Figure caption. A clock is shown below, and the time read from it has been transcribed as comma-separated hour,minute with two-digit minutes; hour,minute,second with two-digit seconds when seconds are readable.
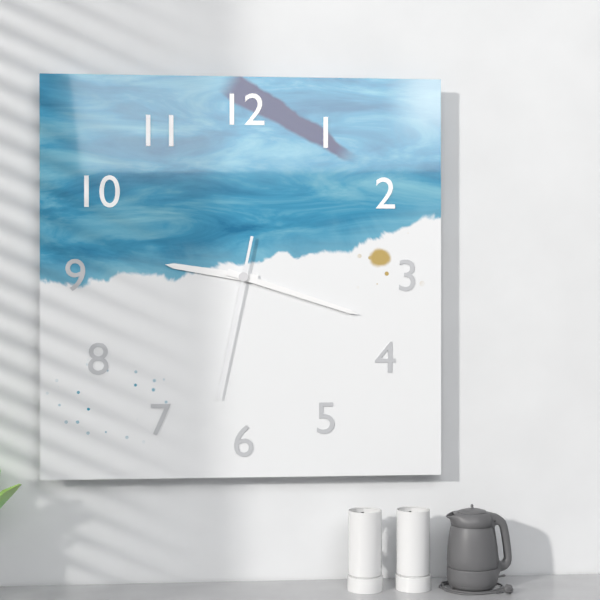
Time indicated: 9,18,32
